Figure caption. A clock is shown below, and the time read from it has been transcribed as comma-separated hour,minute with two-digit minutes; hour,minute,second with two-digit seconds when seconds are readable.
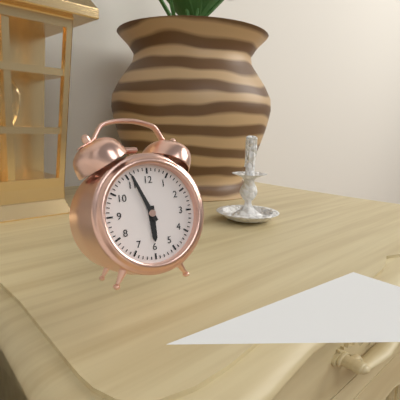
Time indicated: 5,56
